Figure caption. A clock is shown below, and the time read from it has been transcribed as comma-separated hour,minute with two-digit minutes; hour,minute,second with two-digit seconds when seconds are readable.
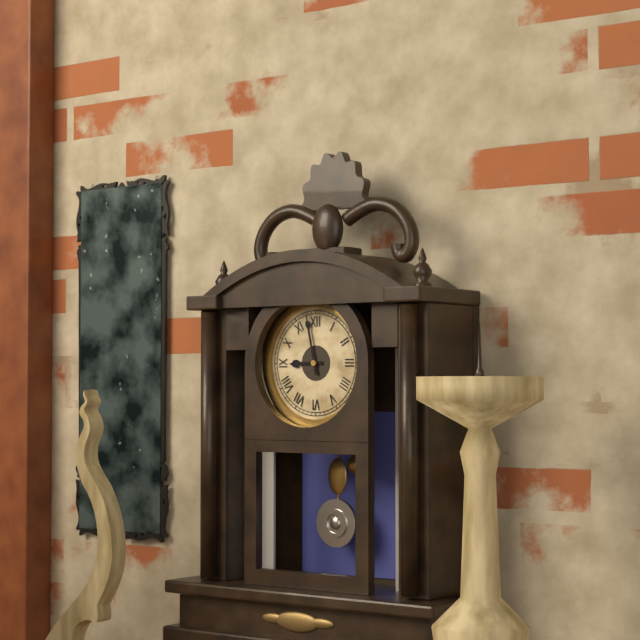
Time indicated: 8,58
